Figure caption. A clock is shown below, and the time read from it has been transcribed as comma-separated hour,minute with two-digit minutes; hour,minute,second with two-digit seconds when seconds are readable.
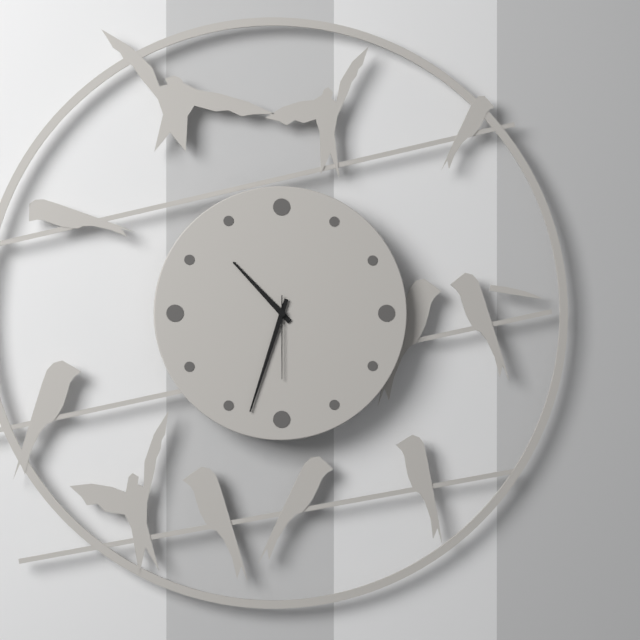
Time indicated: 10,33,30
